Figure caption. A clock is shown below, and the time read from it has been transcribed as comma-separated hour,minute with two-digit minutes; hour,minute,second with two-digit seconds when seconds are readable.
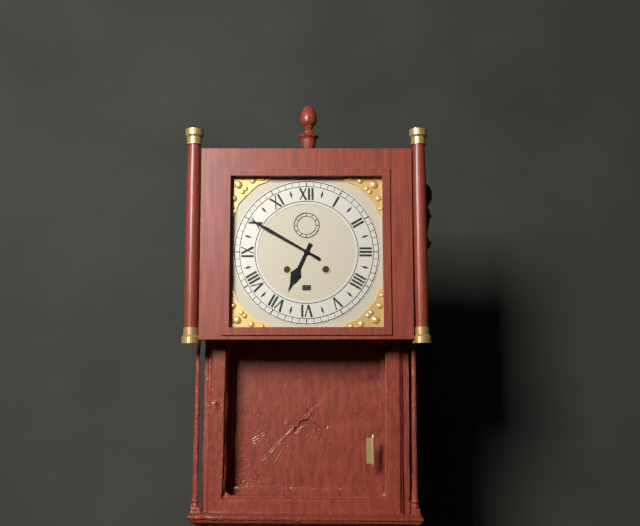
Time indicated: 6,50
